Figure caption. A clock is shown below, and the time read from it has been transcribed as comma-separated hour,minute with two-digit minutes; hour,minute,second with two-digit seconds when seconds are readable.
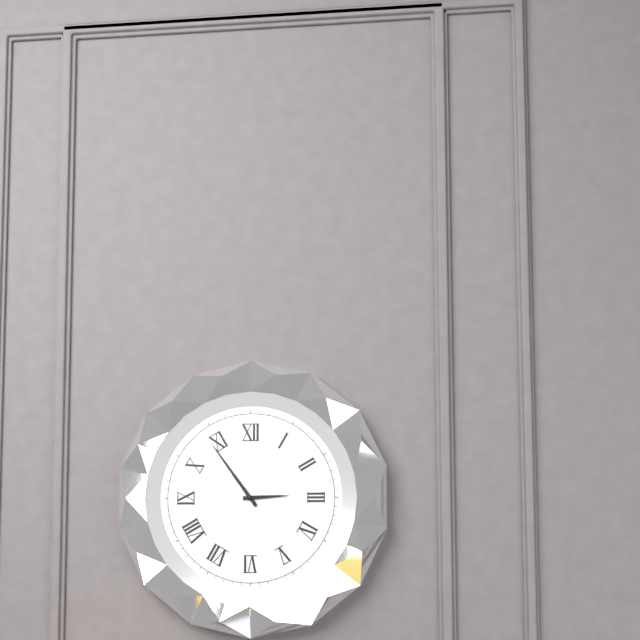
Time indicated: 2,54
